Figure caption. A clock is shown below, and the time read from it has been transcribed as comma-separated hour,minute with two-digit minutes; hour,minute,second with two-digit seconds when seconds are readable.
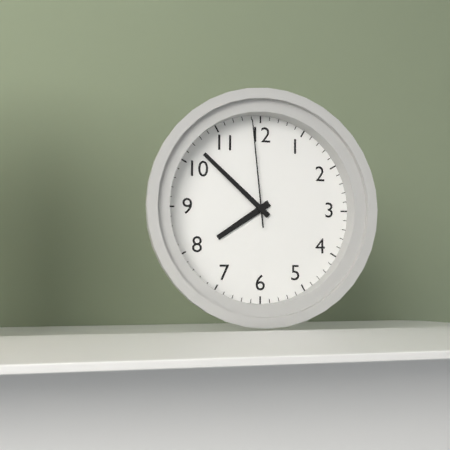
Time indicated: 7,52,59
